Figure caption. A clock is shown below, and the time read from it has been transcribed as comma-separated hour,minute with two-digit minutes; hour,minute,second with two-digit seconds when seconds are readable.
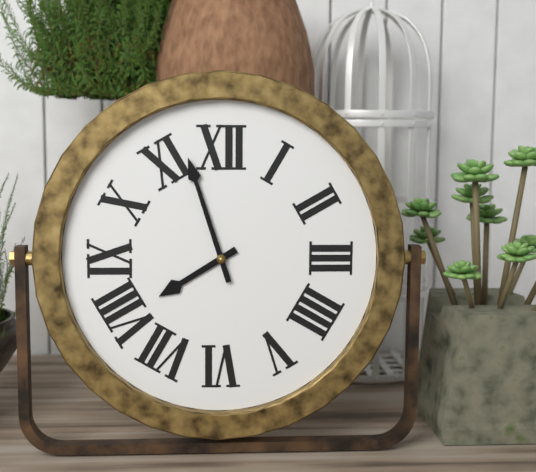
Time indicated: 7,57
